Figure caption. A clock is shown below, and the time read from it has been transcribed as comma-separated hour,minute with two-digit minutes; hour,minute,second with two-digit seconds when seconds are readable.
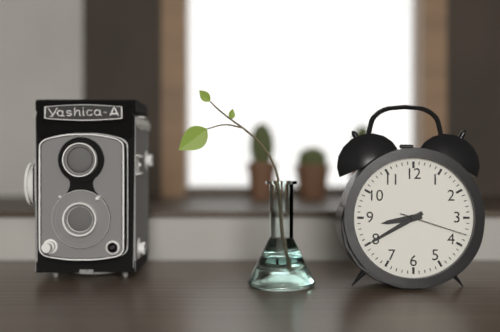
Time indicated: 8,40,18
